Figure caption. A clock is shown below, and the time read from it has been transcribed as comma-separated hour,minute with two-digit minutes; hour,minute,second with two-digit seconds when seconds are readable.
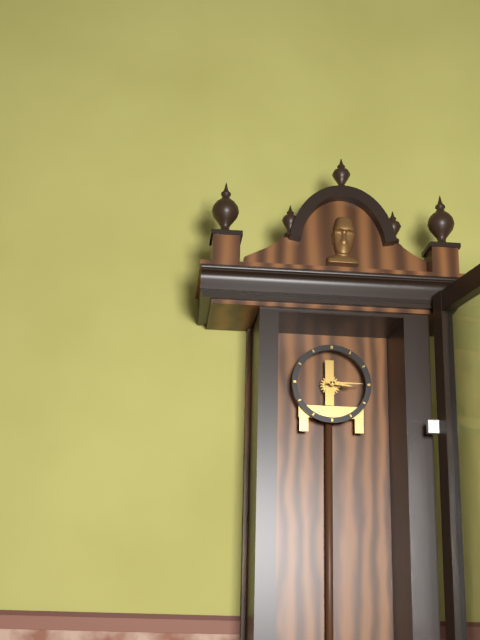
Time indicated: 3,15
